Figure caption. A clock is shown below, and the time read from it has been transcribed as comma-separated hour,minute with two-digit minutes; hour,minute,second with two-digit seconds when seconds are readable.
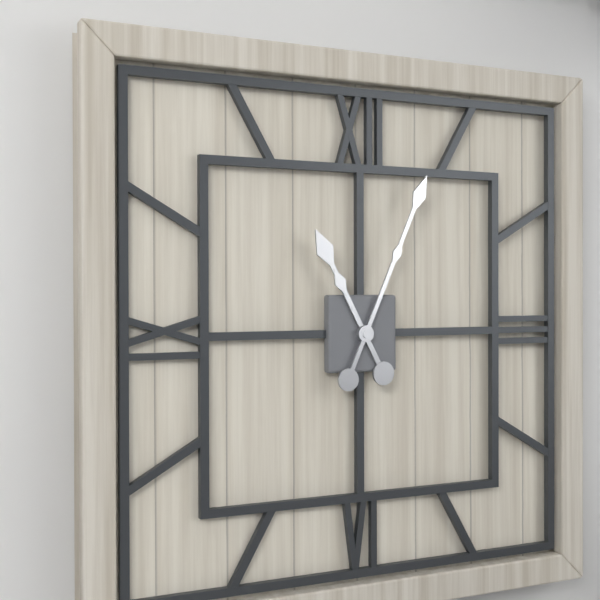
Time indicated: 11,04
